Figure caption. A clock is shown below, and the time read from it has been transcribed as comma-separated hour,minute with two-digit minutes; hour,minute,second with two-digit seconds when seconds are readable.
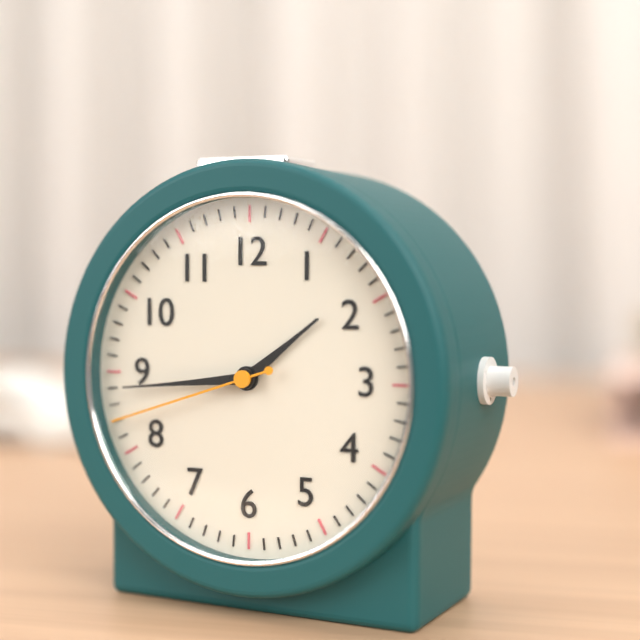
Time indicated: 1,44,42
